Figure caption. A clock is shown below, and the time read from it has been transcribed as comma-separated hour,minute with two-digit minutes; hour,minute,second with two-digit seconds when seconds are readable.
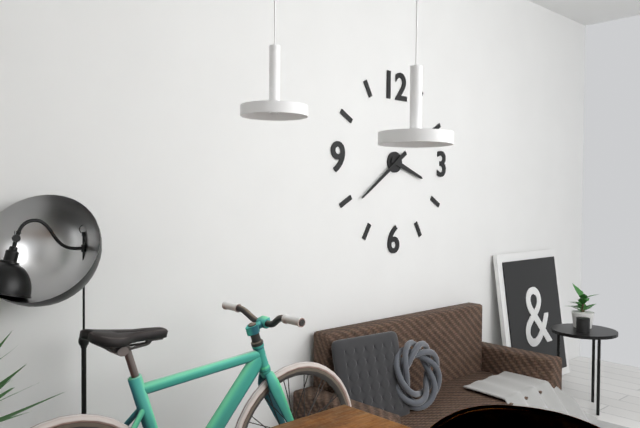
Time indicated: 3,39
